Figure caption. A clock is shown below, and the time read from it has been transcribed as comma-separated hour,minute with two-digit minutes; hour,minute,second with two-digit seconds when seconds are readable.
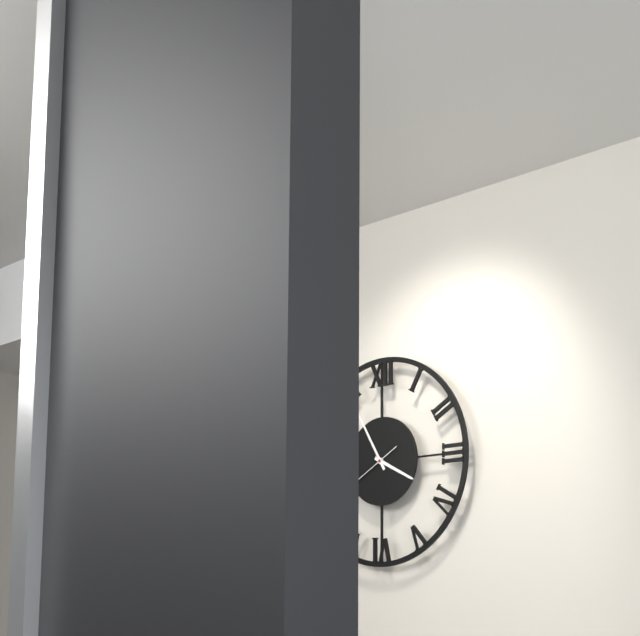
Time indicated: 3,55
